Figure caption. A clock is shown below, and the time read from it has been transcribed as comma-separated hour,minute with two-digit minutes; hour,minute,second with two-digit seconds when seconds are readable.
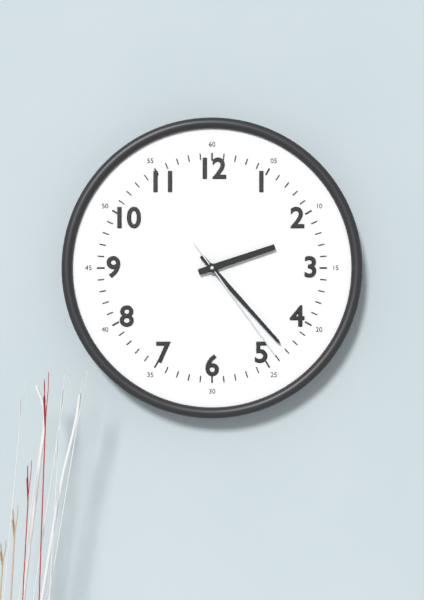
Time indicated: 2,23,24
